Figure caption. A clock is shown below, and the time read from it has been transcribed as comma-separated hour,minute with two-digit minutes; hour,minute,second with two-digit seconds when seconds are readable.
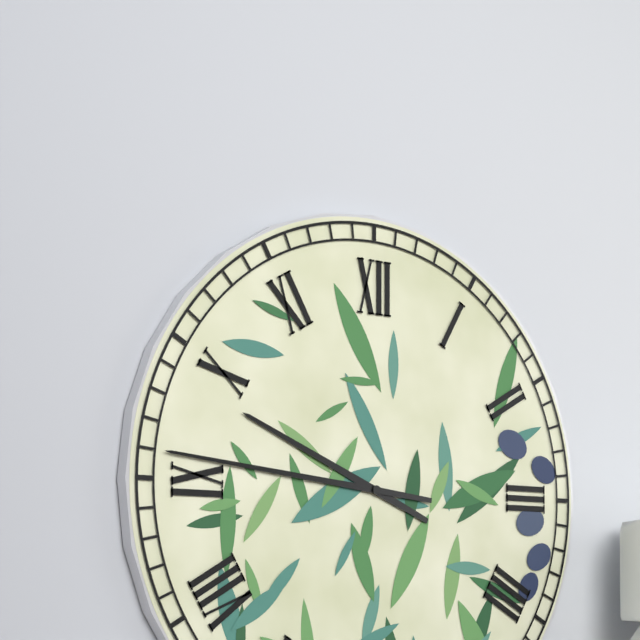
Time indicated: 9,46
